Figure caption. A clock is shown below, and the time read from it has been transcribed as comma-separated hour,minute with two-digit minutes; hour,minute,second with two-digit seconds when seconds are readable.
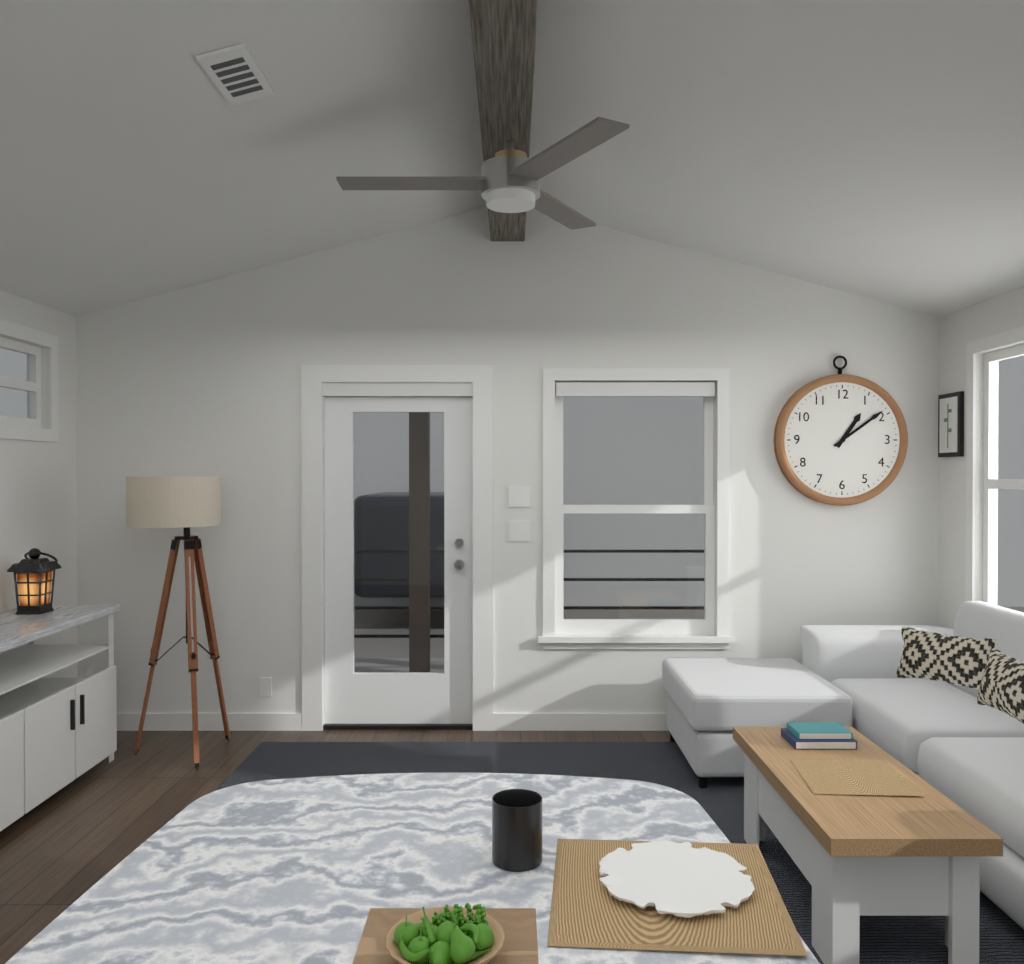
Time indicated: 1,09
